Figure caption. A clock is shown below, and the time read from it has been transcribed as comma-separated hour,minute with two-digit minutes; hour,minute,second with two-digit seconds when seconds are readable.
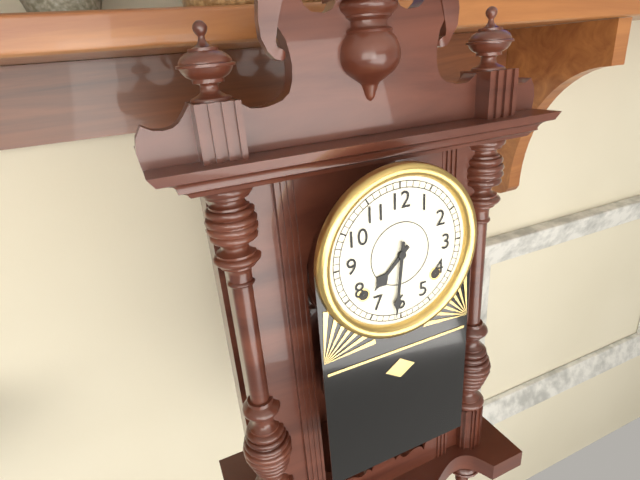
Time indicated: 7,31
